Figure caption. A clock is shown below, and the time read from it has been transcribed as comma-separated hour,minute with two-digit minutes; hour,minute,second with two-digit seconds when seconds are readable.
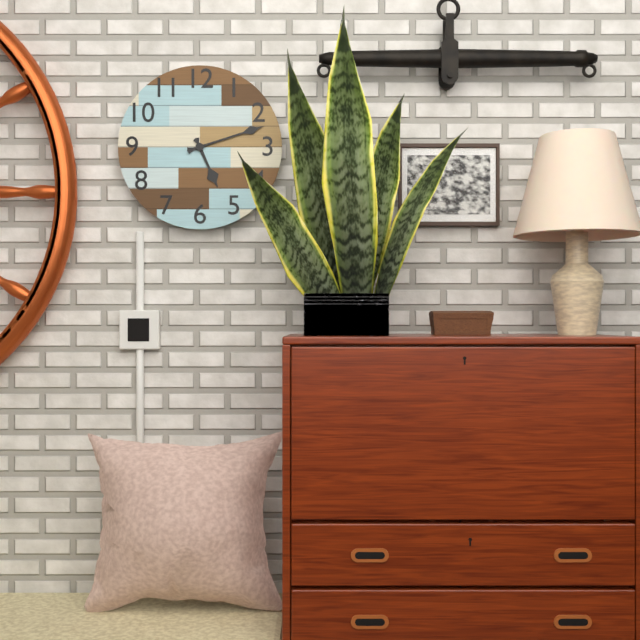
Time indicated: 5,12
